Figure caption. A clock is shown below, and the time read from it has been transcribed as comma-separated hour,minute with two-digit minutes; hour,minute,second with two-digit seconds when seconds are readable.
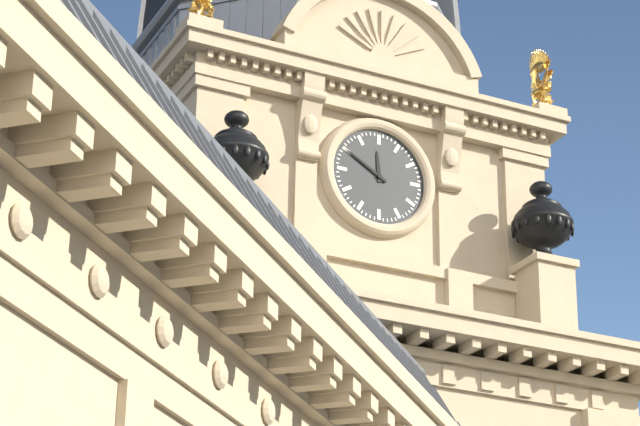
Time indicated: 11,50
